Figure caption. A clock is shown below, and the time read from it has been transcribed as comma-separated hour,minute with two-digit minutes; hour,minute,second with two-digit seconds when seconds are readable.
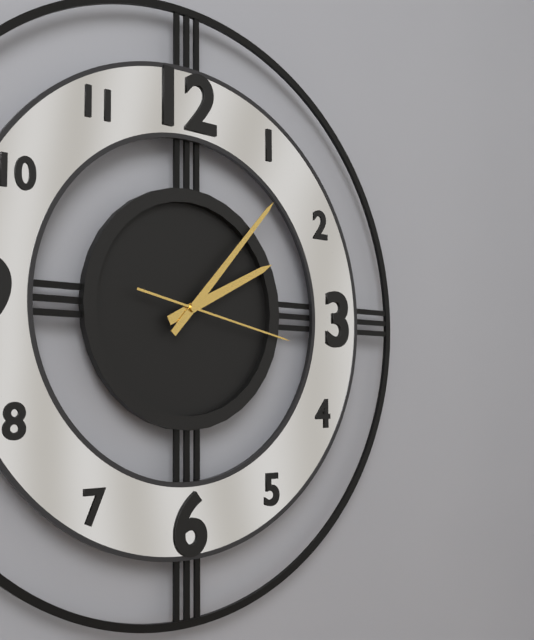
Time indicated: 2,07,17
